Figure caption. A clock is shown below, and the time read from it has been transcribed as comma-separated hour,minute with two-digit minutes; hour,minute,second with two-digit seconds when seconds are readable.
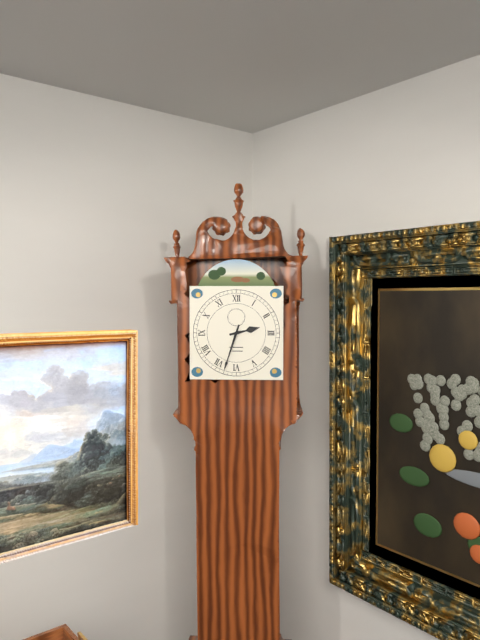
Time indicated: 2,33
